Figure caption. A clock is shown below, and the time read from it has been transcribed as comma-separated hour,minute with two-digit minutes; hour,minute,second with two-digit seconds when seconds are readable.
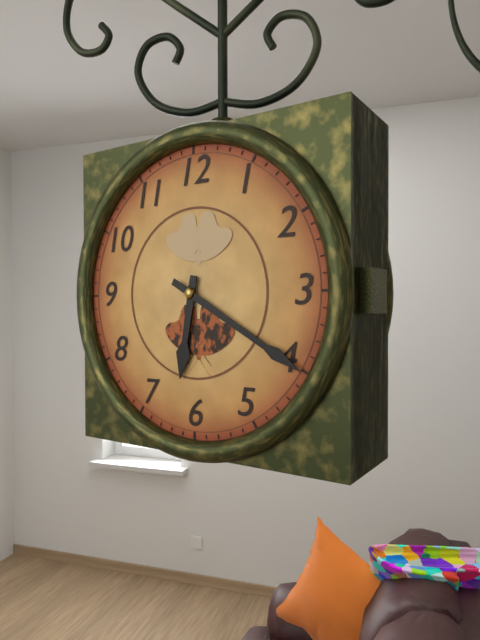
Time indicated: 6,20
